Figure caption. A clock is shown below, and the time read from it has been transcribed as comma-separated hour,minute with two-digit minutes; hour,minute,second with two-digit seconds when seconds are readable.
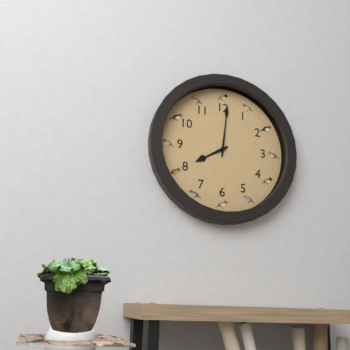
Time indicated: 8,01
